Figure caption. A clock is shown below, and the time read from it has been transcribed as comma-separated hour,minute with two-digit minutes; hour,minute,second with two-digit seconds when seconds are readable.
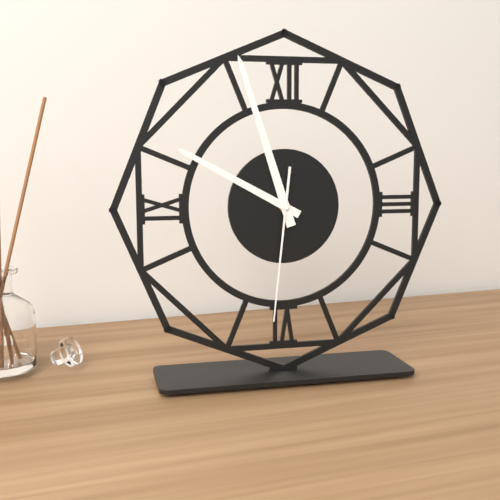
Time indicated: 9,57,31
